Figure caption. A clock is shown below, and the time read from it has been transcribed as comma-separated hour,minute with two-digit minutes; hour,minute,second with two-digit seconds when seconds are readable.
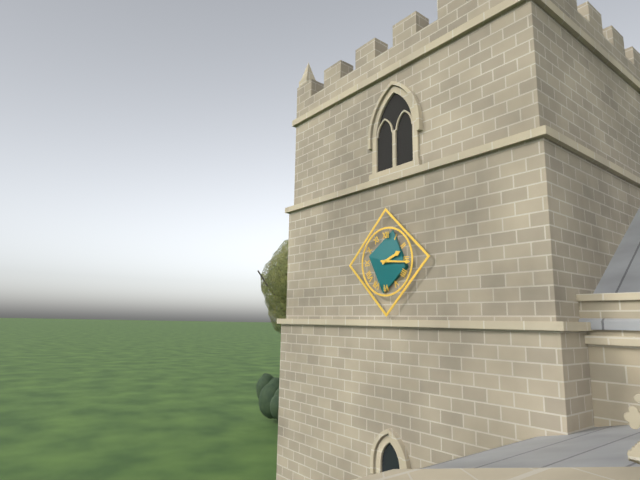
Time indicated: 2,16
